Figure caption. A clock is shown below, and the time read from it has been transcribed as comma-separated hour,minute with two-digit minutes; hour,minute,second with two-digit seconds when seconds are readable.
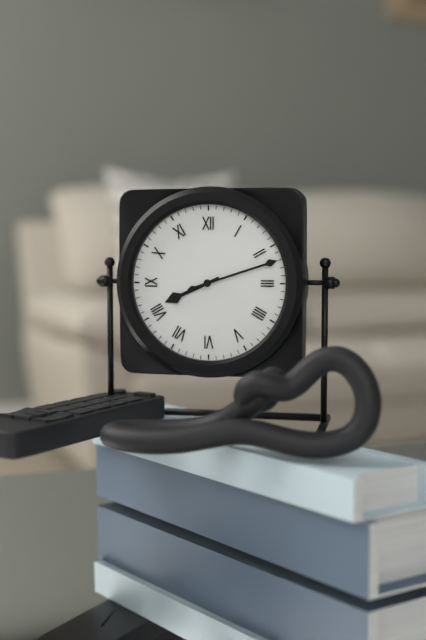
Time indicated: 8,12
